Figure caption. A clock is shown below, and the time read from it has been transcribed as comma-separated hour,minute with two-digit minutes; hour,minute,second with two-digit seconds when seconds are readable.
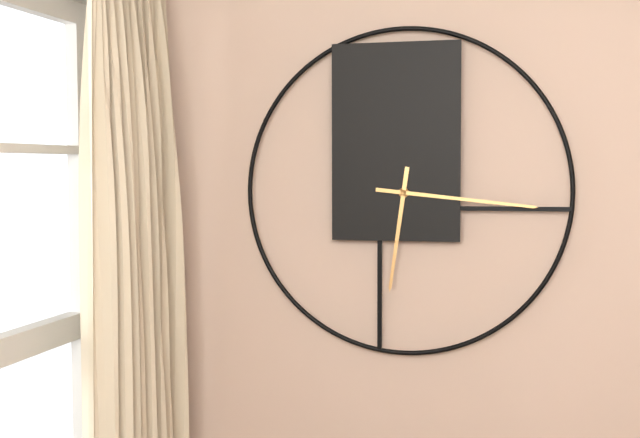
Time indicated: 6,16
